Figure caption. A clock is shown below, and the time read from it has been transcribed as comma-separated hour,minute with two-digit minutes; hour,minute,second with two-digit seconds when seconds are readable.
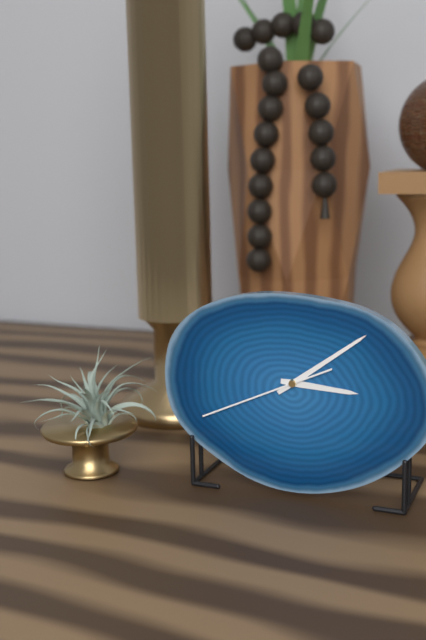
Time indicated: 3,09,41
